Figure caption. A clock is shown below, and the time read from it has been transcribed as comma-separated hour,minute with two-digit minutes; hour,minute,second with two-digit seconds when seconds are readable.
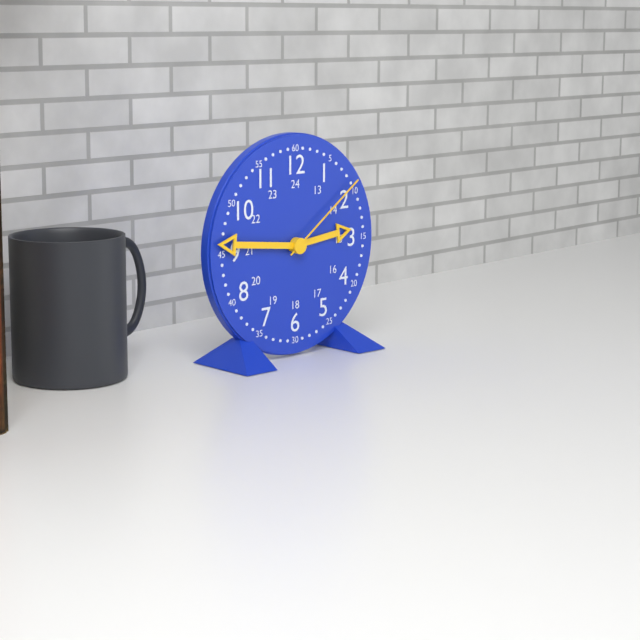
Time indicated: 2,46,09
